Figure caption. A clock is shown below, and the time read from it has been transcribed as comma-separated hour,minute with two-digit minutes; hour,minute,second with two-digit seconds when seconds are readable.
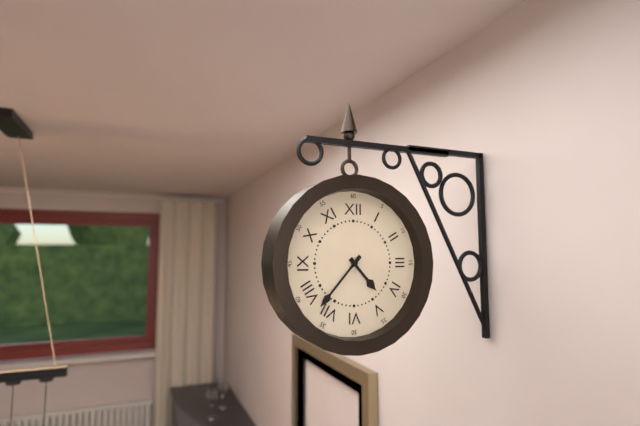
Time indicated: 4,37
